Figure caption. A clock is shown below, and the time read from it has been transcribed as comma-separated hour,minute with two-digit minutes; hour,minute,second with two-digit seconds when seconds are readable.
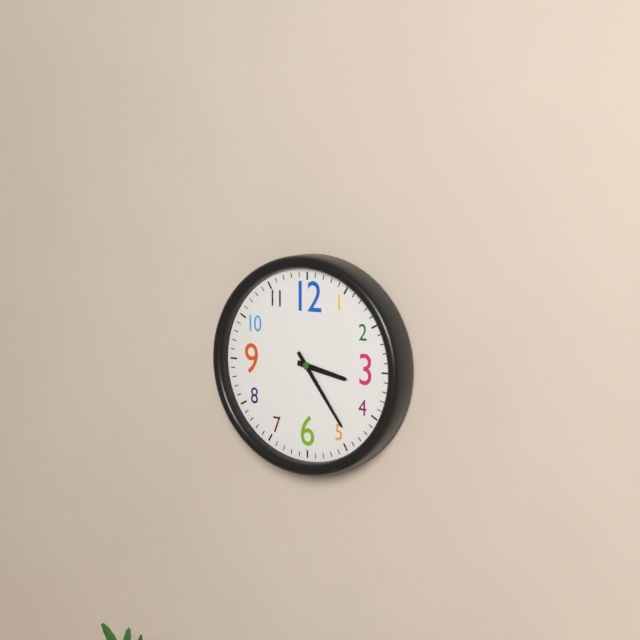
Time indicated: 3,24
